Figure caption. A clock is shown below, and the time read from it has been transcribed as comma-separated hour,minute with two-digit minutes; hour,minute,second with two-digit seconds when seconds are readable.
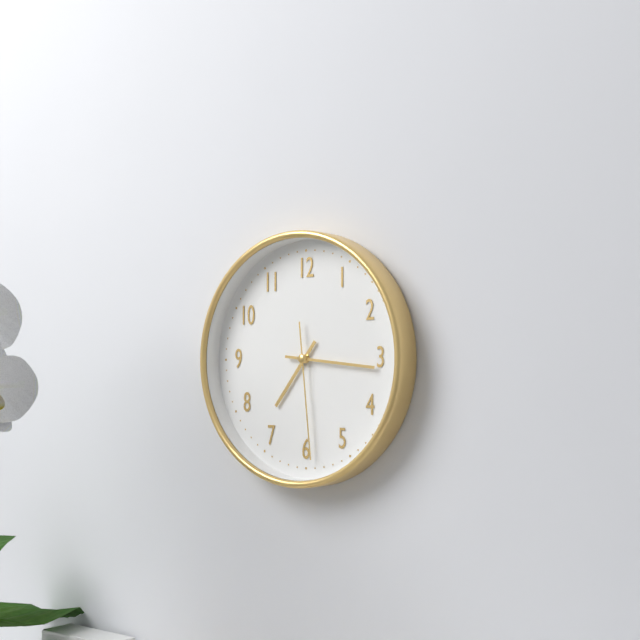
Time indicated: 7,16,29
